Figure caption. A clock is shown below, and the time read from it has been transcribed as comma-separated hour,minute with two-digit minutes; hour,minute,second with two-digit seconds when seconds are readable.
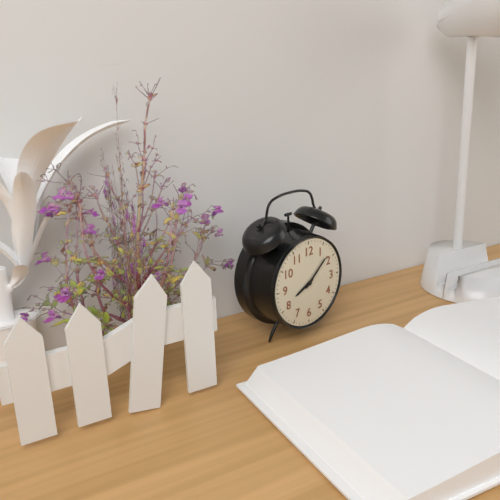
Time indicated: 8,08
